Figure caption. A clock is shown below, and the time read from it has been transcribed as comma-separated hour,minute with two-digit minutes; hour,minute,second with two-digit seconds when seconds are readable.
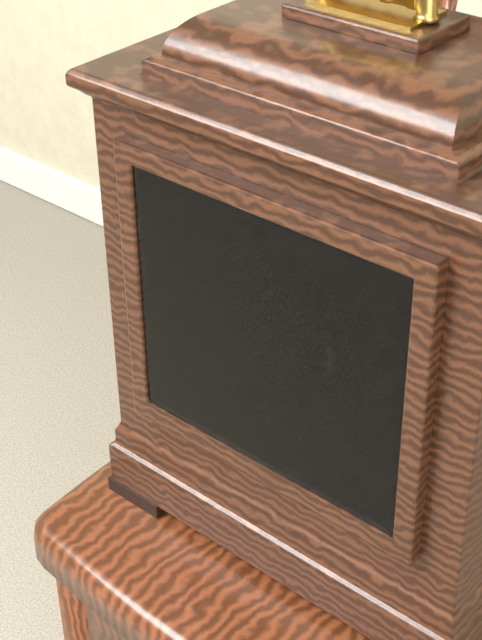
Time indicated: 8,58
